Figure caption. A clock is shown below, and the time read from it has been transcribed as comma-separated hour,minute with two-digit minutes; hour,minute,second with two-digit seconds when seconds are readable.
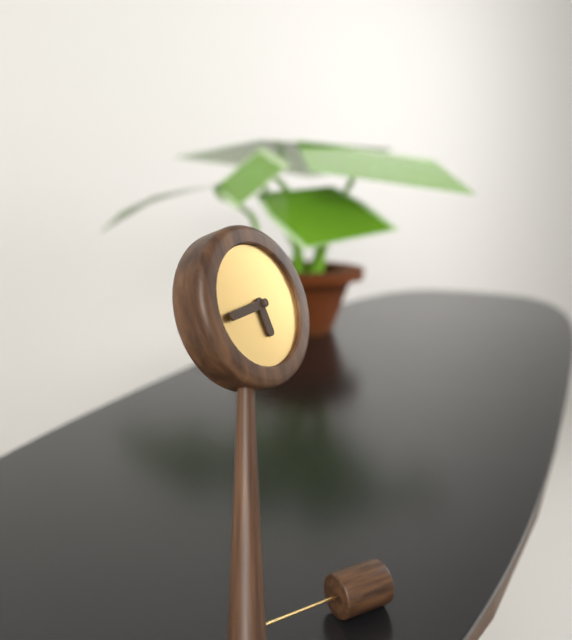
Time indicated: 5,44
